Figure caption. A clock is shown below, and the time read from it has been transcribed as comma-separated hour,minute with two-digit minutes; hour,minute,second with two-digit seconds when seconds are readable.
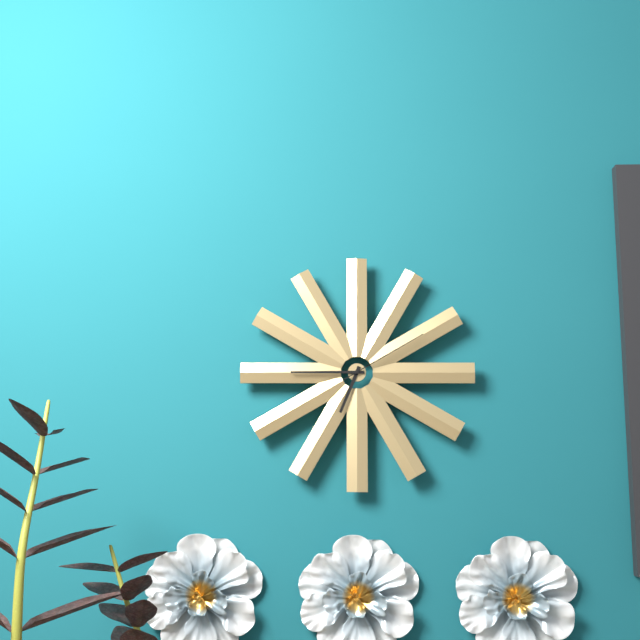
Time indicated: 6,45,10
